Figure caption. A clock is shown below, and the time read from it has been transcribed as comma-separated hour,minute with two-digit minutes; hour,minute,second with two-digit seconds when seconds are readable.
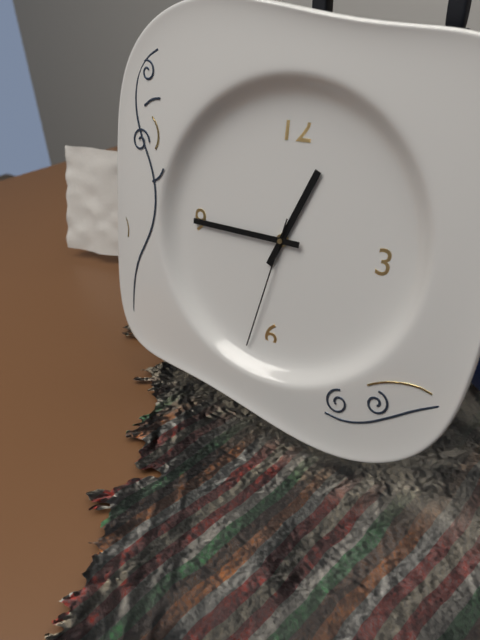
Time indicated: 12,45,32
